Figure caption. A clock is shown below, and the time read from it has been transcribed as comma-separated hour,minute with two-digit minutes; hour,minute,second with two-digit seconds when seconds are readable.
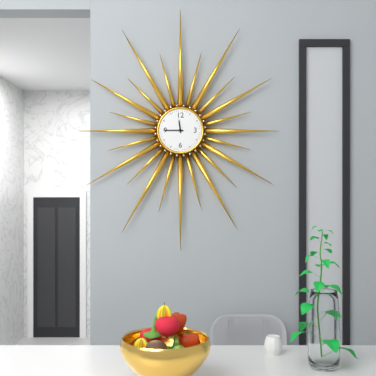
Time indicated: 11,45
